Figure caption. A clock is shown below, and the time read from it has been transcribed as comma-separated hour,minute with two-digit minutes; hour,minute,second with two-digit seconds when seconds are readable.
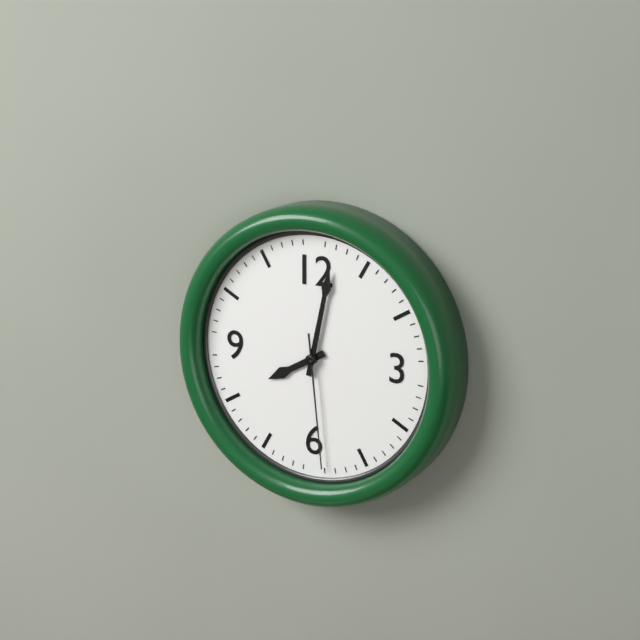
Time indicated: 8,02,29
